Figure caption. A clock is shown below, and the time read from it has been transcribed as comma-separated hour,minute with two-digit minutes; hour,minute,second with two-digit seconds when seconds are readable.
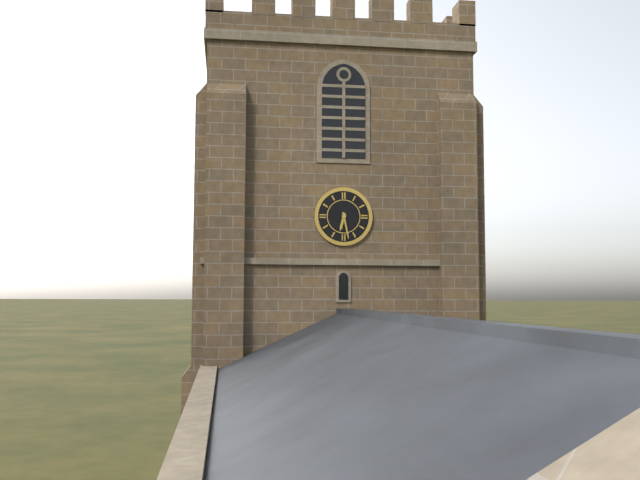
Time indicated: 6,28
